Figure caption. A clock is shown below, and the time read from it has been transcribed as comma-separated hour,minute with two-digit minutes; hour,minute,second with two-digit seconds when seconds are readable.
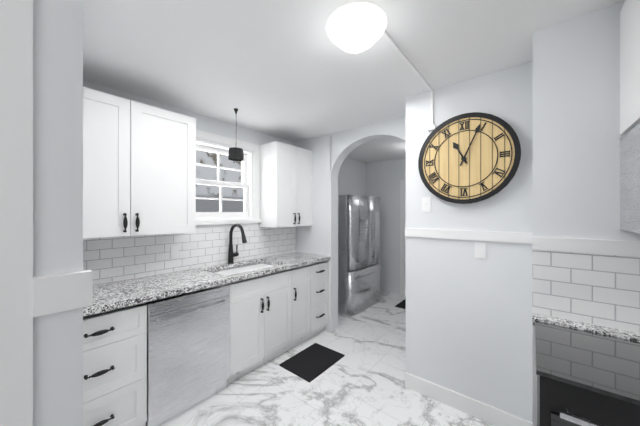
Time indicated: 11,04
